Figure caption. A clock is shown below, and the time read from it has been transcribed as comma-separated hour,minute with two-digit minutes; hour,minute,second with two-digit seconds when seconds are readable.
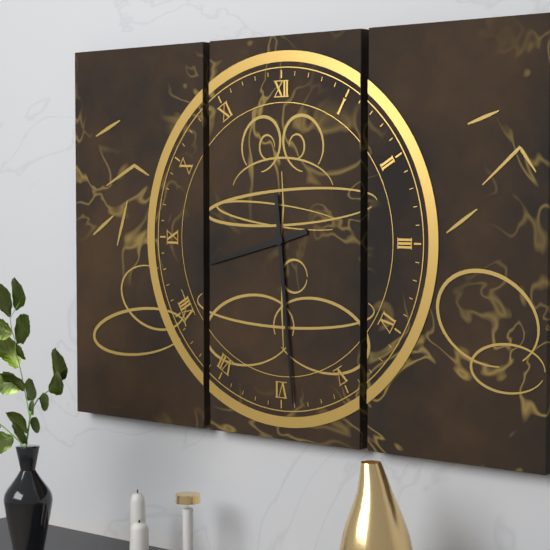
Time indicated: 8,29
